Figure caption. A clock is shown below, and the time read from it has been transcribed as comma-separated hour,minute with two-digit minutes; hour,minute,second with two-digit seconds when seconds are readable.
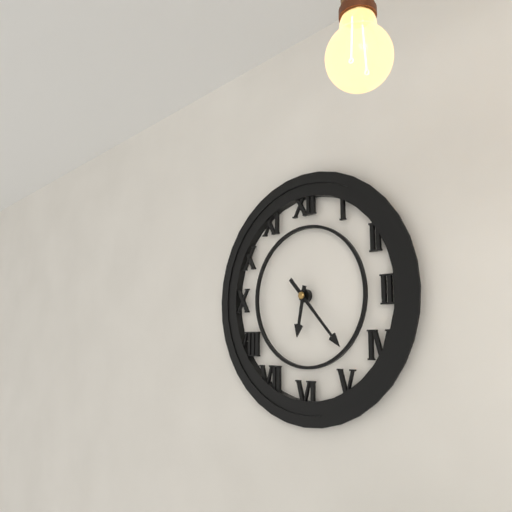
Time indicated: 6,23
